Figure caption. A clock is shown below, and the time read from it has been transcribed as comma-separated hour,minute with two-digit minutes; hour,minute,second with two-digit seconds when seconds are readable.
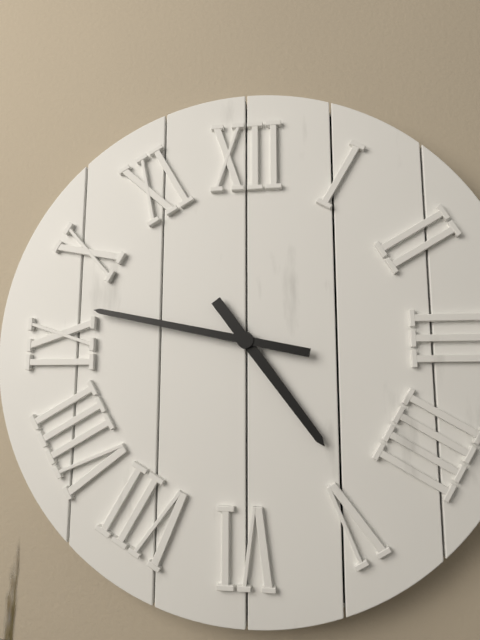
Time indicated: 4,47
